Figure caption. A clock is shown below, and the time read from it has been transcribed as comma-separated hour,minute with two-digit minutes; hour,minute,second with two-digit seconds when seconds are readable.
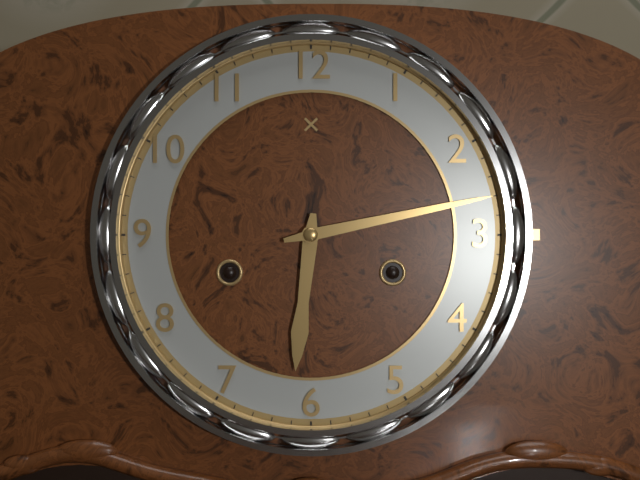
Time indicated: 6,13
